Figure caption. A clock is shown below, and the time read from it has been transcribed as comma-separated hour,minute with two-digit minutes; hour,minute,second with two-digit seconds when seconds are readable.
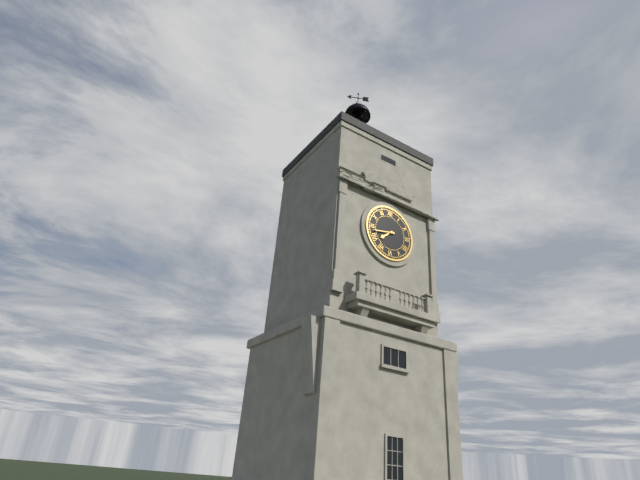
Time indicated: 7,43
